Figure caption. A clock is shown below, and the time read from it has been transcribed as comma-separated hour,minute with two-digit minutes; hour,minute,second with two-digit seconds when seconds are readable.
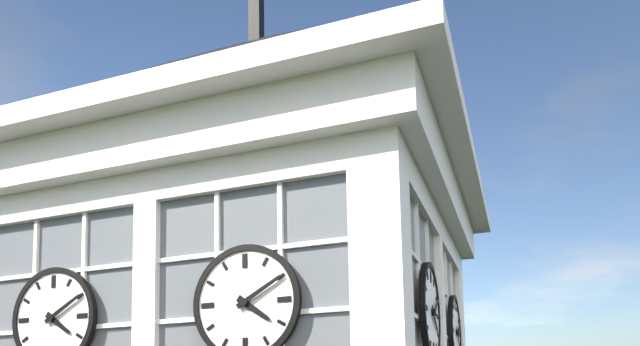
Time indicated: 4,10
